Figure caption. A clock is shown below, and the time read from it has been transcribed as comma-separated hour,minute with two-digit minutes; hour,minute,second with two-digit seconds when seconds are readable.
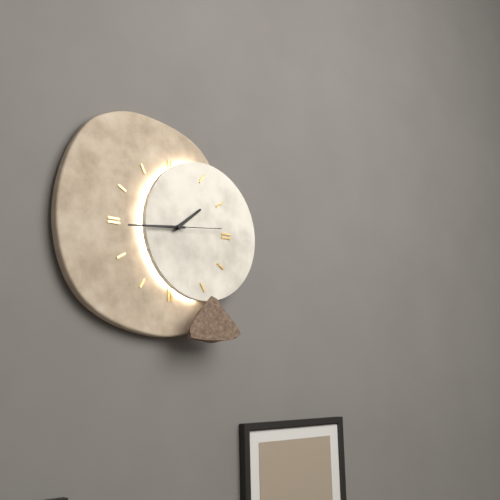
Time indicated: 1,44,14
